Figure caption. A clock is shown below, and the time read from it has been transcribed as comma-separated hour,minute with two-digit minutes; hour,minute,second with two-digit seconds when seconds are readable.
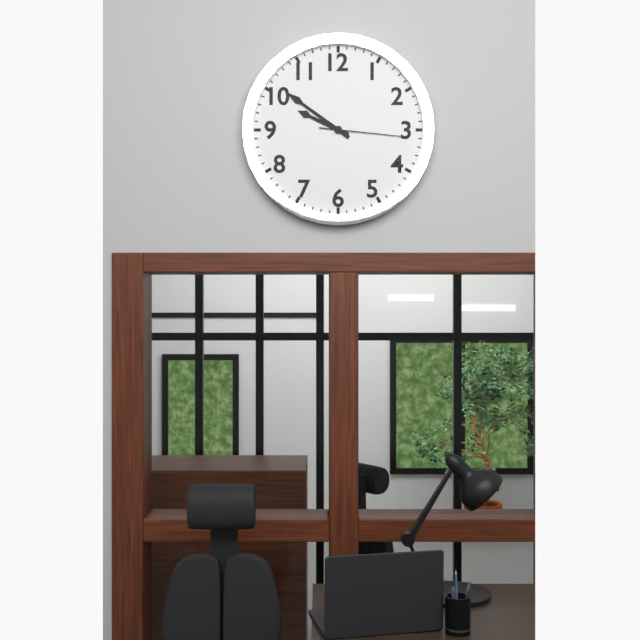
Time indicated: 9,51,16
